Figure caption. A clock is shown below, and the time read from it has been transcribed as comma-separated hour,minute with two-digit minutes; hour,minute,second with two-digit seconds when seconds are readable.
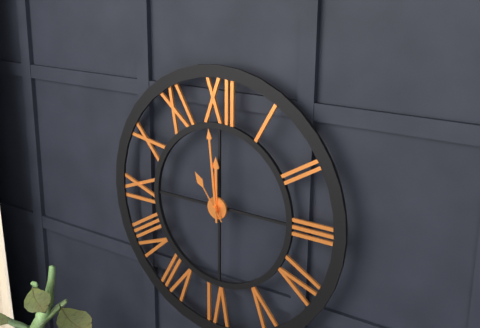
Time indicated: 11,59,54
